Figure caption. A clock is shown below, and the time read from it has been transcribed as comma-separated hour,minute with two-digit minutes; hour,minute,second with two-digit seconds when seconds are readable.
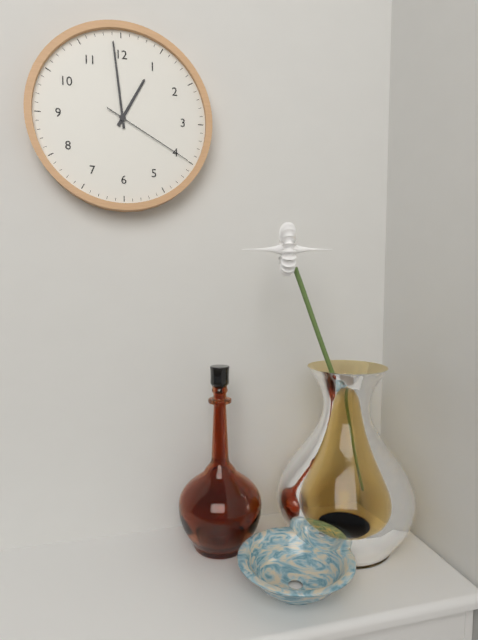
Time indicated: 12,59,20
